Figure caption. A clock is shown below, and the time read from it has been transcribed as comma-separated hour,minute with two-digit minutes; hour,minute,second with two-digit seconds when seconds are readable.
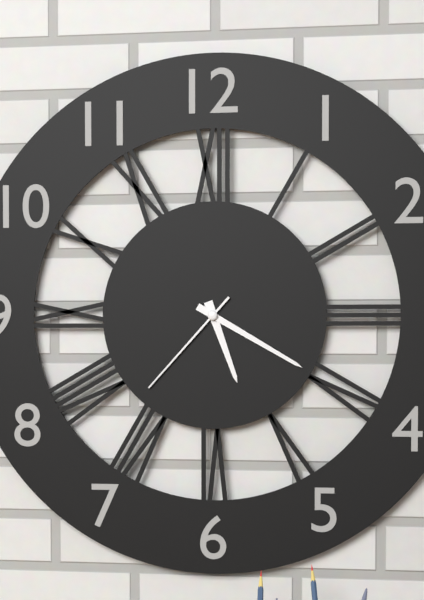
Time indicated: 5,20,37
